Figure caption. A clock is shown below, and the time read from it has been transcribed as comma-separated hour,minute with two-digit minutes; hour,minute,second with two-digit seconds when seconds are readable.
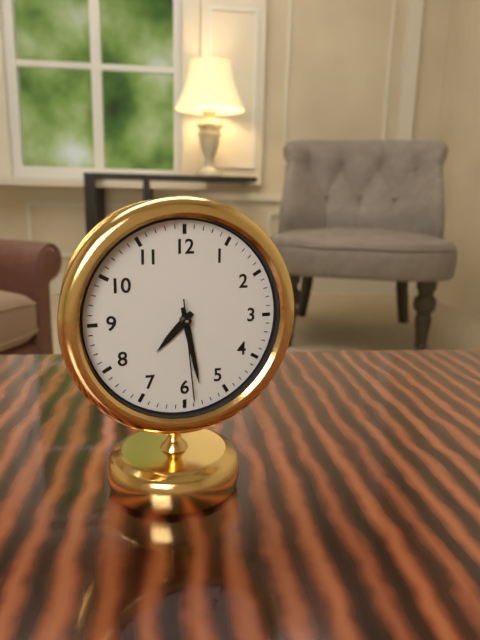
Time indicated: 7,28,29
